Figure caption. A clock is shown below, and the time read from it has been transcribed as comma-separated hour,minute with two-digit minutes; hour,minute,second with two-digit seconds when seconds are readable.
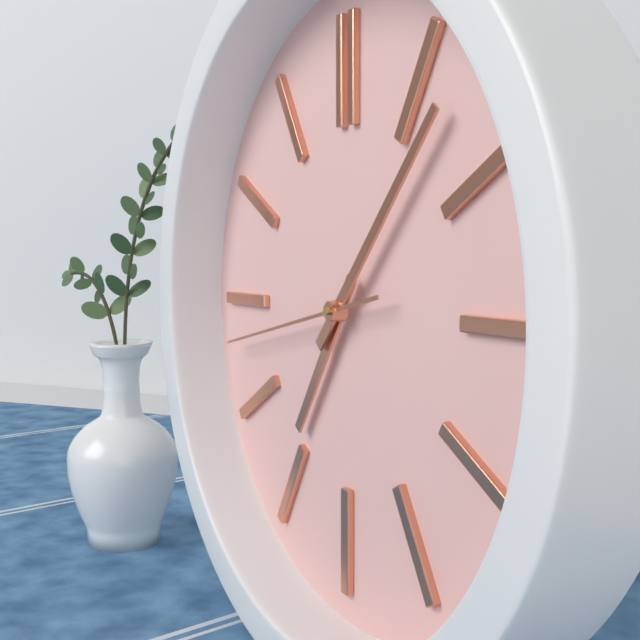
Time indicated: 7,07,43
